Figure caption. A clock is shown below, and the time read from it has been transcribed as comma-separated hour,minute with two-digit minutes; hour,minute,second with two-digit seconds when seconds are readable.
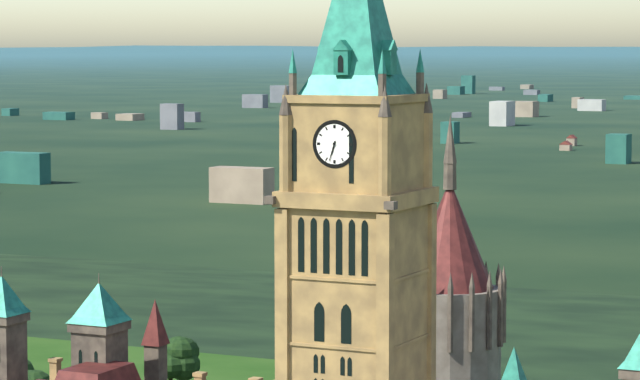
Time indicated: 6,33
